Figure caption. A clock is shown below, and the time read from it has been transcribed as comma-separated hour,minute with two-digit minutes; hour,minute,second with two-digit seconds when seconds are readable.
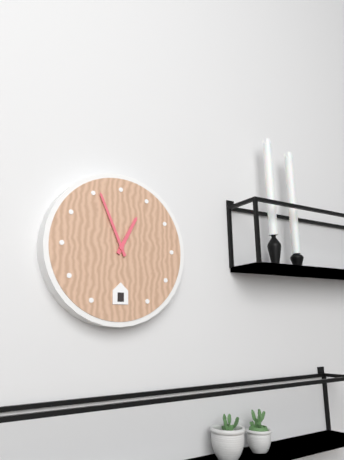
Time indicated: 12,56
